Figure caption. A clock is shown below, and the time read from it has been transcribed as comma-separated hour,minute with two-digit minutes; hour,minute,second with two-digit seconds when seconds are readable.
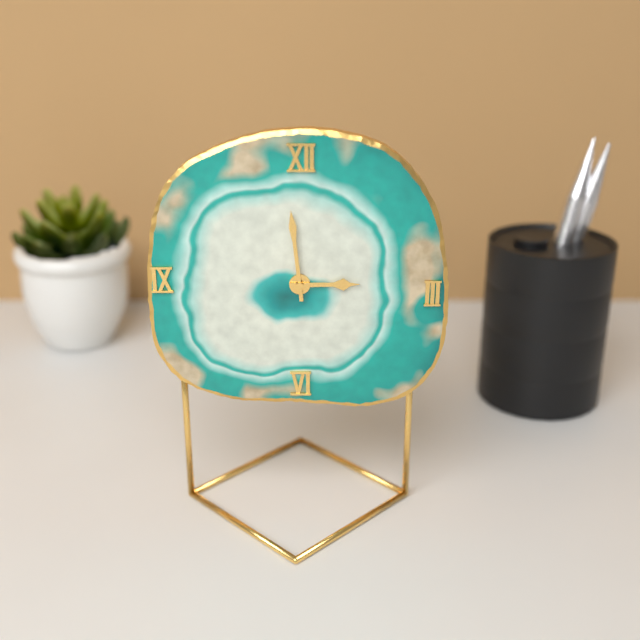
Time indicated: 2,59
